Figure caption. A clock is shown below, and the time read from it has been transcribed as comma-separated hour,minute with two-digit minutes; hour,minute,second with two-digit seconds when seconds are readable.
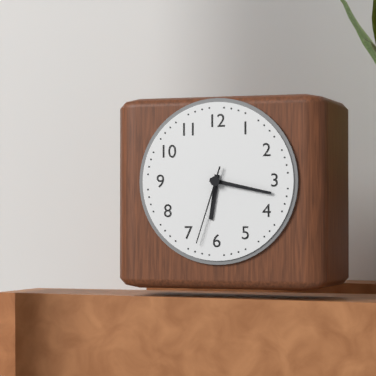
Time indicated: 6,17,33
